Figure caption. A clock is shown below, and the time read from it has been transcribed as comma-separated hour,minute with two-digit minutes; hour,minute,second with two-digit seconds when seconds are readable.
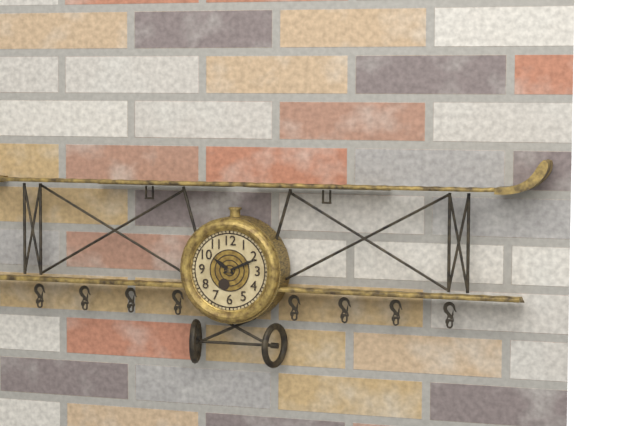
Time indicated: 10,11
